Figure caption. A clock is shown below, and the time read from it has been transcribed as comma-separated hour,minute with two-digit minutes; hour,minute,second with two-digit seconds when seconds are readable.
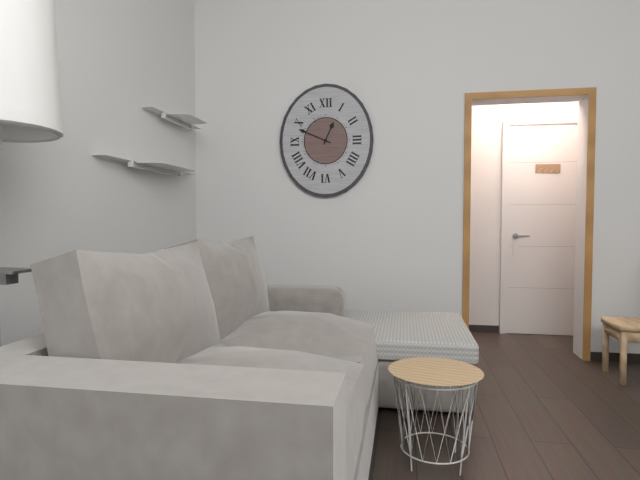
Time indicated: 12,49
